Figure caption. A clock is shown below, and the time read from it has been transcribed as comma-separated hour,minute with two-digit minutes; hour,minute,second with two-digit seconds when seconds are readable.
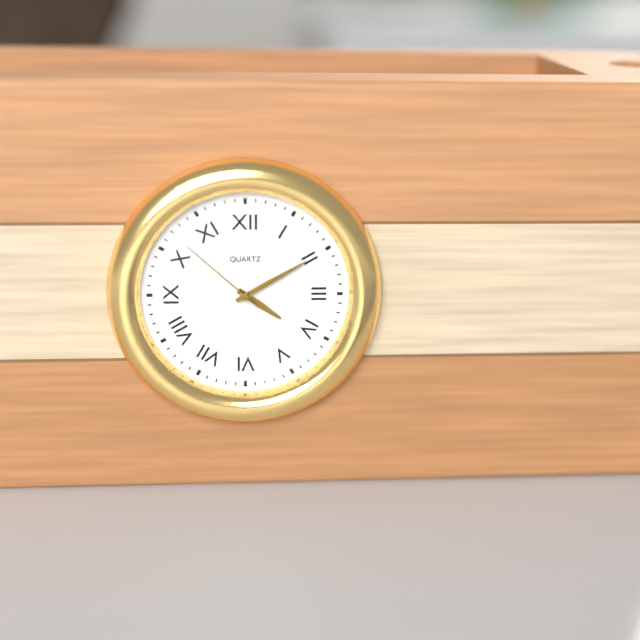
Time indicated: 4,10,52
